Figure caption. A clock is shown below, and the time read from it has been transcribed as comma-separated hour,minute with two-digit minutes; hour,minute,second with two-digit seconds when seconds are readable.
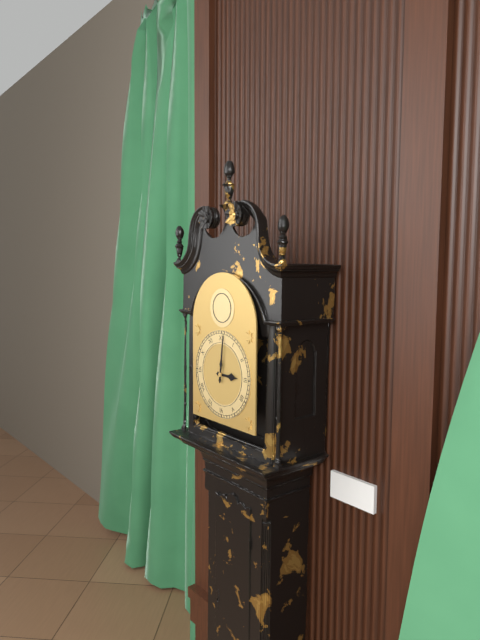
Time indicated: 3,01
